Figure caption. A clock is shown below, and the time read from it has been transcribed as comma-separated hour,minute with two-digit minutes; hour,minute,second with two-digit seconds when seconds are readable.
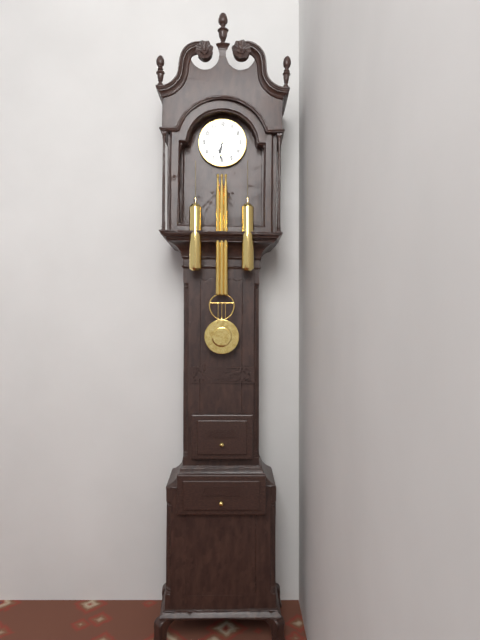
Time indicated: 6,31
